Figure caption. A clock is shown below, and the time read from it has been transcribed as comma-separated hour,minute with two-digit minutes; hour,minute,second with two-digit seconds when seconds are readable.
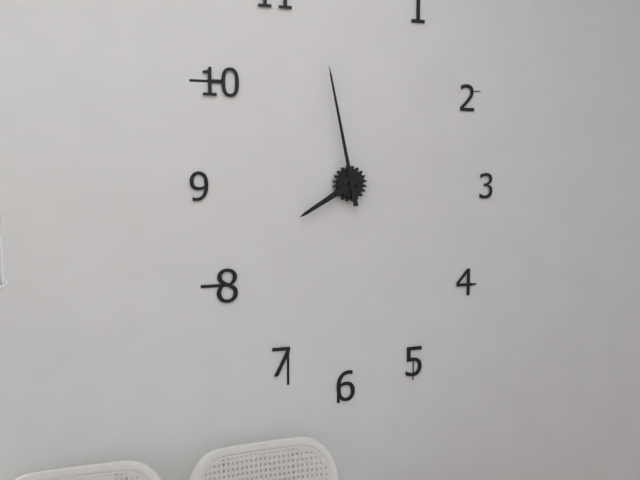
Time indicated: 7,58
